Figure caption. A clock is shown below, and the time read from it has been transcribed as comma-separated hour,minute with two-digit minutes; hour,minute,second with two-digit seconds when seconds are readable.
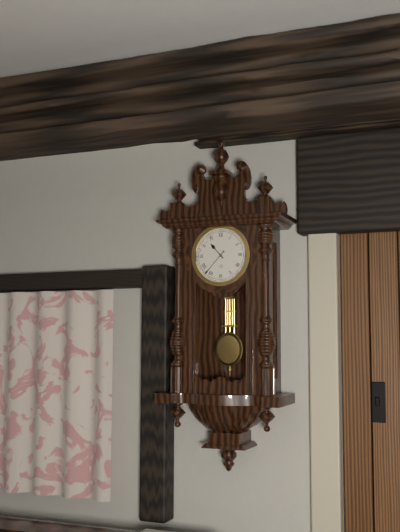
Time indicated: 10,37
